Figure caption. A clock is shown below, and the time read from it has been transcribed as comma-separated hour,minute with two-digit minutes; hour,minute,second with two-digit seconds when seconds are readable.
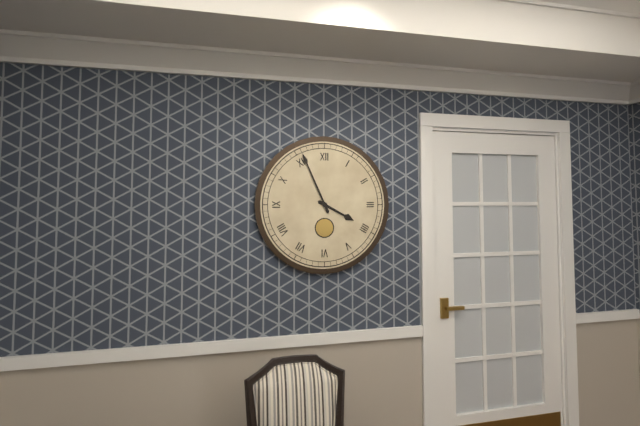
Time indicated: 3,56
